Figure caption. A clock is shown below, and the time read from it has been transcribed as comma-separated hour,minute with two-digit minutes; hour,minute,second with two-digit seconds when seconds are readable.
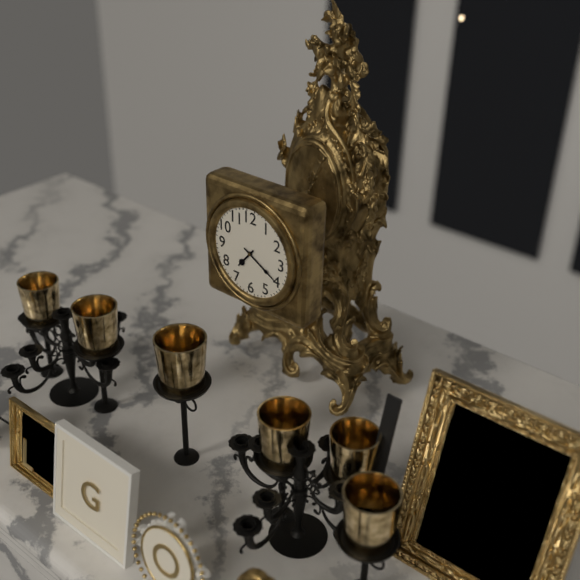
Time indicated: 7,20
